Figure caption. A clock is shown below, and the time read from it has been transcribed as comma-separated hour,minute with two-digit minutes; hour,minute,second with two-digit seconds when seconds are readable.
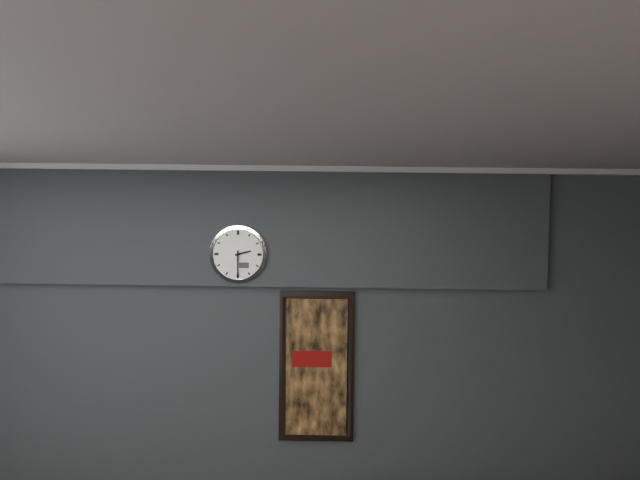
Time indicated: 2,30
